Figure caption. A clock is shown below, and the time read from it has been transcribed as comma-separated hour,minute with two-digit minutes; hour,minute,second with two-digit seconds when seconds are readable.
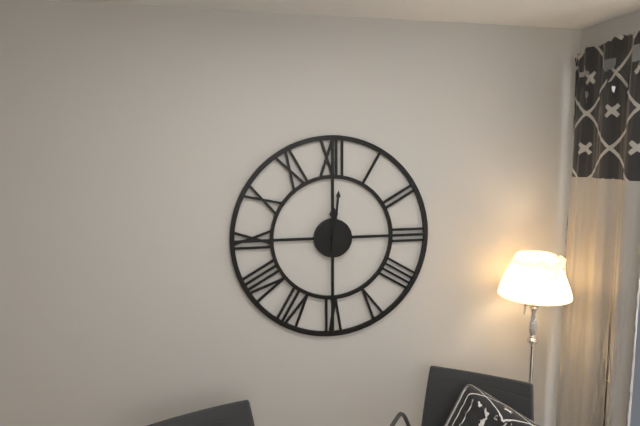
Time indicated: 12,01
